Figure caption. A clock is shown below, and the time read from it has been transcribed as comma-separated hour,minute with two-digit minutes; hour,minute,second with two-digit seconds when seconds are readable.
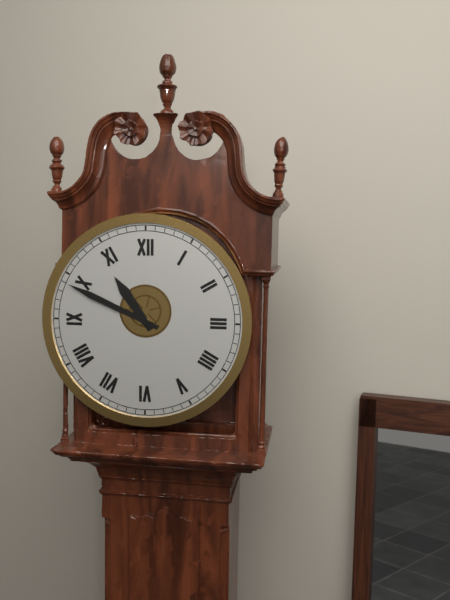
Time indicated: 10,49
